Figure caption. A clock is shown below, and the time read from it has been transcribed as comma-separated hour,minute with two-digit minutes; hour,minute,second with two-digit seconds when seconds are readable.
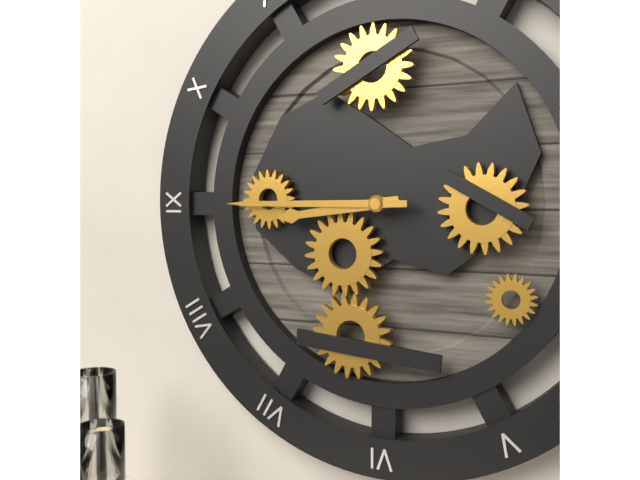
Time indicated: 8,45
